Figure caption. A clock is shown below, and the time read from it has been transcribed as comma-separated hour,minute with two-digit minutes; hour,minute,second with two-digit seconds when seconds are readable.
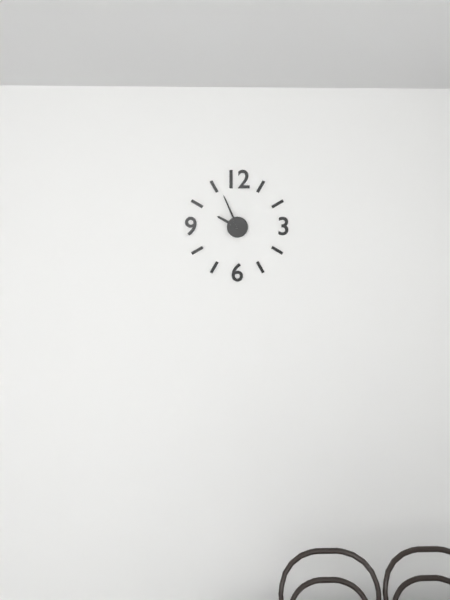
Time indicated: 9,56
